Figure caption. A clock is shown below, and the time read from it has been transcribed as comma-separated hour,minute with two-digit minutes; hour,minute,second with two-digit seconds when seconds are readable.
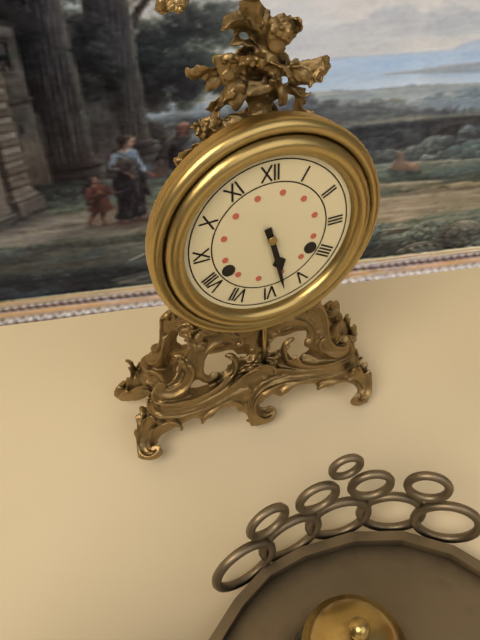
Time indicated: 5,28
